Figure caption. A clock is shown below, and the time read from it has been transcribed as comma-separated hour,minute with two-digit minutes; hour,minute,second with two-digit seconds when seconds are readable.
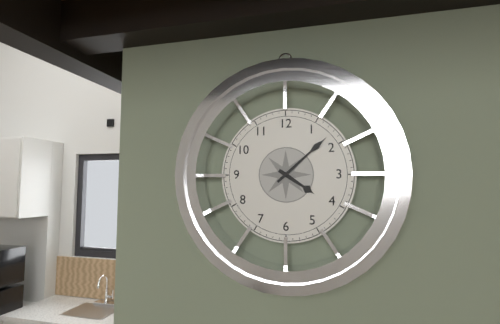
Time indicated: 4,08
